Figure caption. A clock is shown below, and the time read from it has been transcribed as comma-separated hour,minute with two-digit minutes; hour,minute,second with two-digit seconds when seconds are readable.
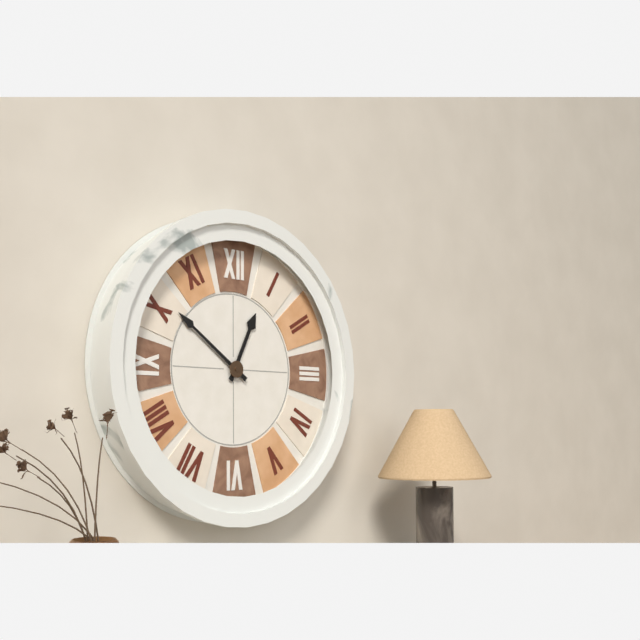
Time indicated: 12,51
